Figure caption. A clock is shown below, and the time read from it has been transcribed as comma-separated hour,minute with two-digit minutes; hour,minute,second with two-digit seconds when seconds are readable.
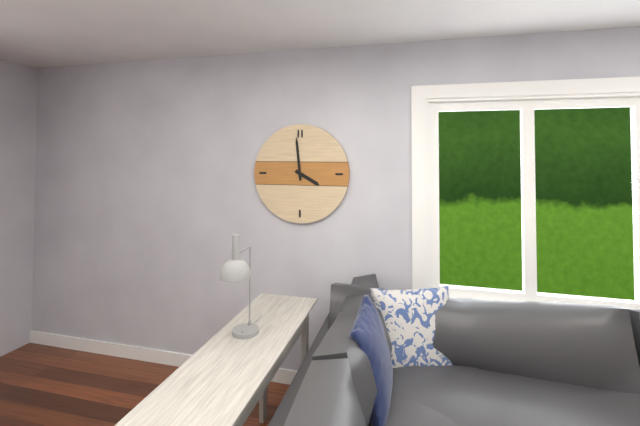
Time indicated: 3,59
